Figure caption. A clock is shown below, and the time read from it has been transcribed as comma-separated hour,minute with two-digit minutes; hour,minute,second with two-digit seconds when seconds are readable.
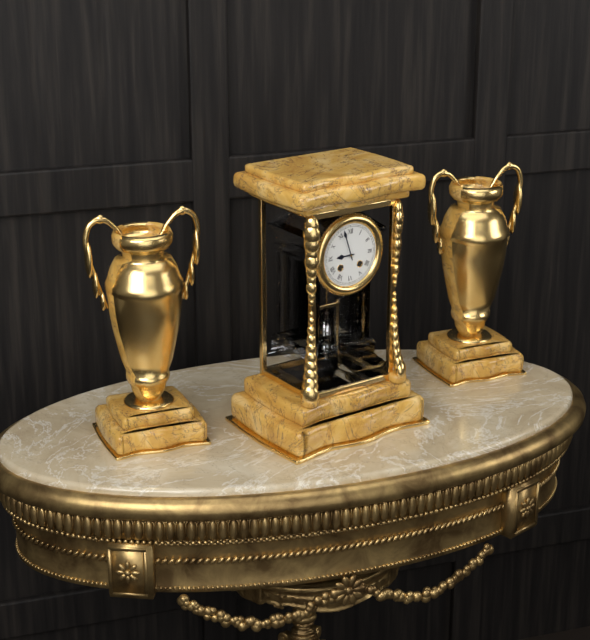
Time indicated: 8,57
